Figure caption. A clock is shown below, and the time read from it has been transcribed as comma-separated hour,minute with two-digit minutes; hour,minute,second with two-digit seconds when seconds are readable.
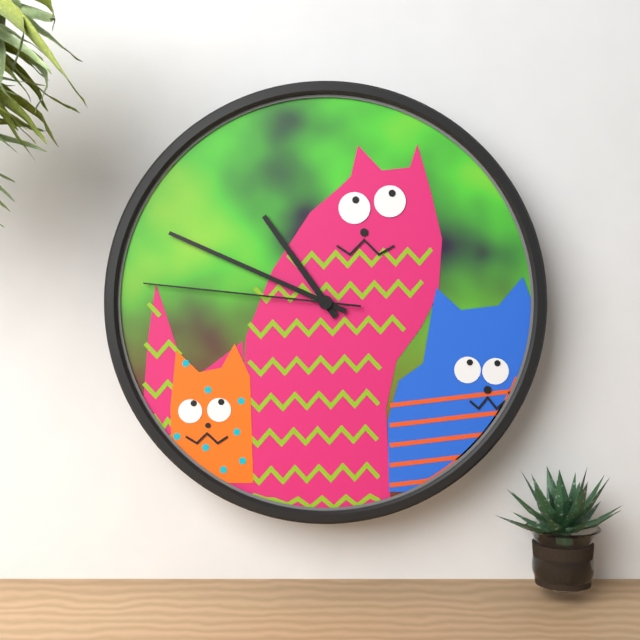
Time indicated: 10,49,46
